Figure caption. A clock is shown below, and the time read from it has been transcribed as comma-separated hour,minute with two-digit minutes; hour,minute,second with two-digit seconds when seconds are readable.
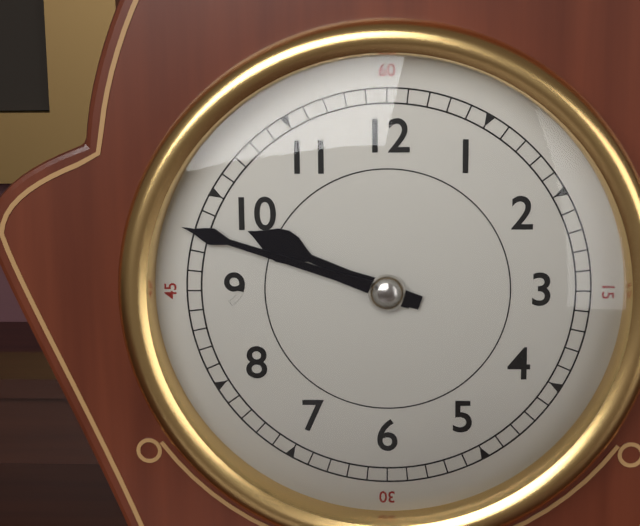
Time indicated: 9,48
